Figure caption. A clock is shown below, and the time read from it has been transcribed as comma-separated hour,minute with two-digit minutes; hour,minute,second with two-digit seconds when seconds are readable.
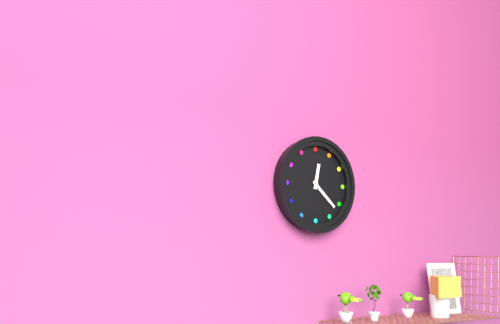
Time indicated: 12,22
